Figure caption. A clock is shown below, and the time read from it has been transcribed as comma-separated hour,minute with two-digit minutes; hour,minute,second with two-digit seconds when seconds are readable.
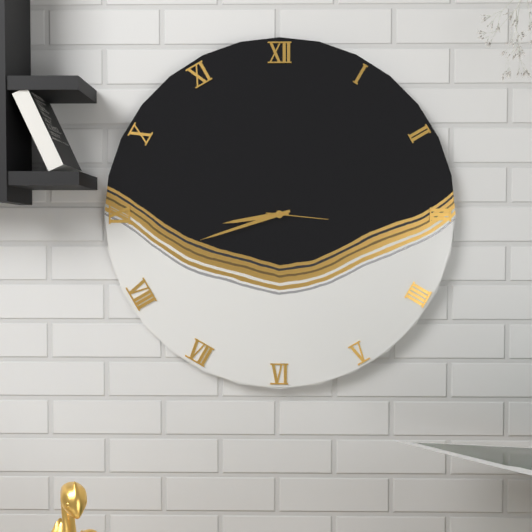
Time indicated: 8,42,16
